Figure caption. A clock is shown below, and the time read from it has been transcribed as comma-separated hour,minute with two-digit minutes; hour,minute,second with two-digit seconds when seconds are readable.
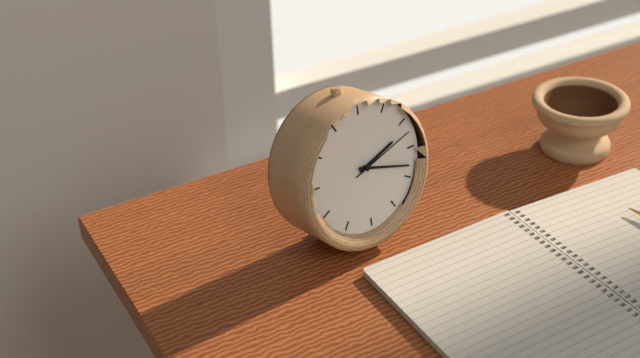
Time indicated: 2,18,12
